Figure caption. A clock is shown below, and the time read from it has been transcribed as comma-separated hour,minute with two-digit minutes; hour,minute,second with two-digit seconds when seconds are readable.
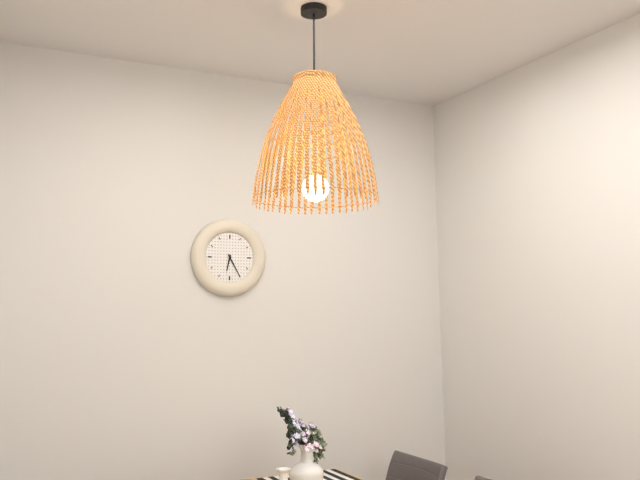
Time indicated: 6,25
